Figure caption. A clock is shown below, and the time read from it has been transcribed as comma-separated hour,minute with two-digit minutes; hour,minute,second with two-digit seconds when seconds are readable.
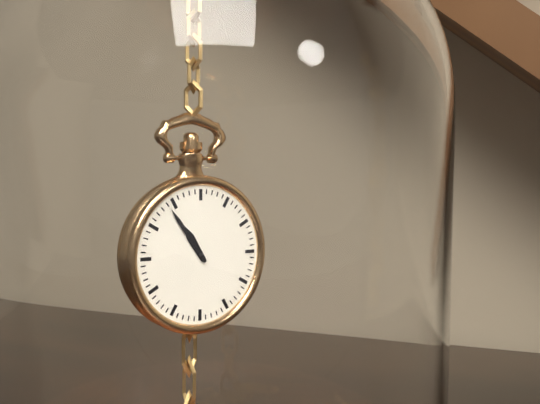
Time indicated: 10,54
